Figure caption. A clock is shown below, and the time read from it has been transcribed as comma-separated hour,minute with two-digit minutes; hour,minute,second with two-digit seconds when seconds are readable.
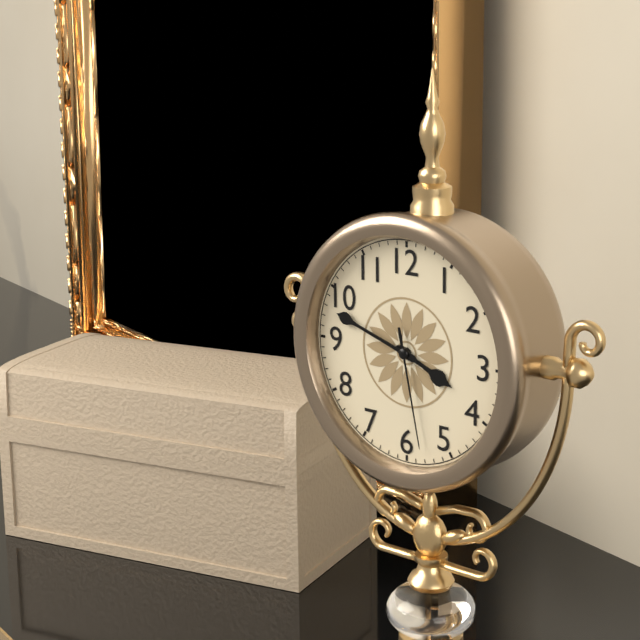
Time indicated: 3,48,28
